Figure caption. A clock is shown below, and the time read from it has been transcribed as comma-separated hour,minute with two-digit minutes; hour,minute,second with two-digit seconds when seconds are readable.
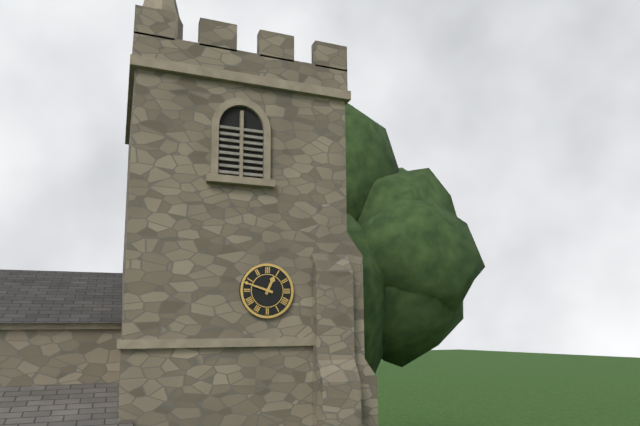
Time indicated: 12,48
